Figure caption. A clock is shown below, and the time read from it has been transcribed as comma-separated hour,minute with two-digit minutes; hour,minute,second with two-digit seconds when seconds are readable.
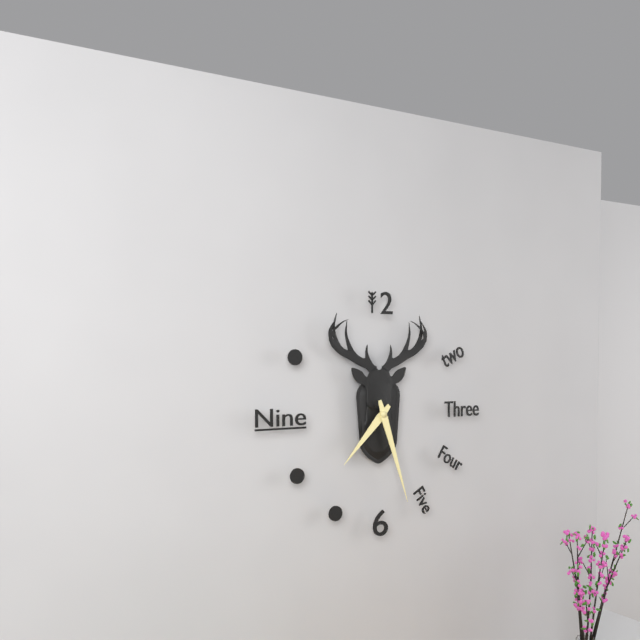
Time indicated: 7,27
